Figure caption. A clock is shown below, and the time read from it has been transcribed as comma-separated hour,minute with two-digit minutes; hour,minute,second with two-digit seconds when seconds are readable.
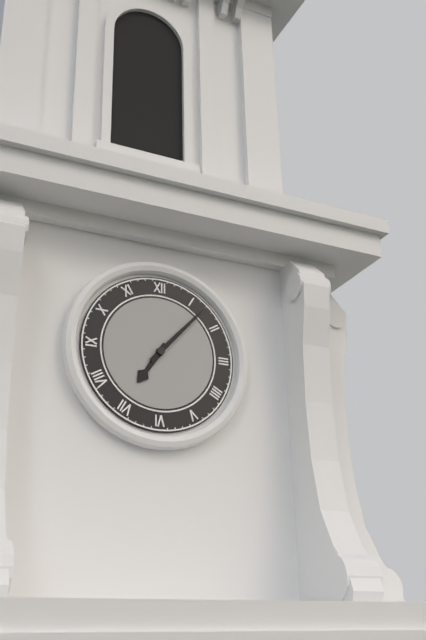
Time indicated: 7,07
